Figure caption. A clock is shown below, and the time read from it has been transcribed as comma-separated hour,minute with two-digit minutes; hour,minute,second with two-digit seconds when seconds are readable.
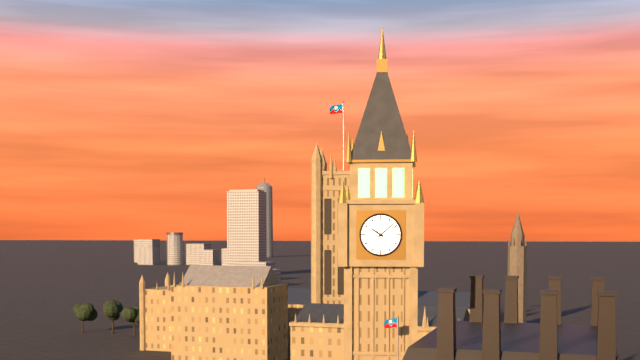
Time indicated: 10,08
